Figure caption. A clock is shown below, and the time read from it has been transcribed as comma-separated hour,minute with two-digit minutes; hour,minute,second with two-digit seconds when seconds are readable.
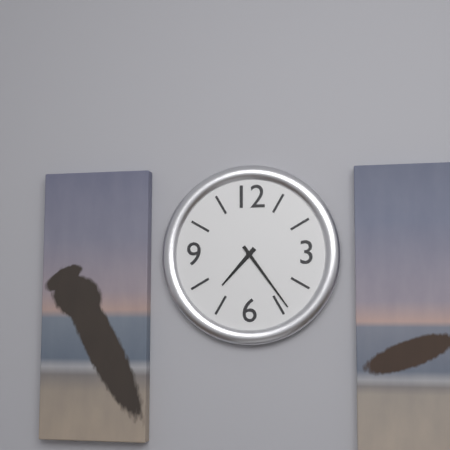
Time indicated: 7,24
